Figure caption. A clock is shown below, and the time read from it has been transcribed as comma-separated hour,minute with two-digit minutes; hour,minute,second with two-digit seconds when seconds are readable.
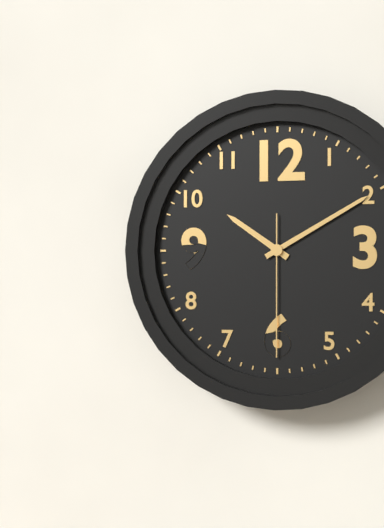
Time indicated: 10,10,30
